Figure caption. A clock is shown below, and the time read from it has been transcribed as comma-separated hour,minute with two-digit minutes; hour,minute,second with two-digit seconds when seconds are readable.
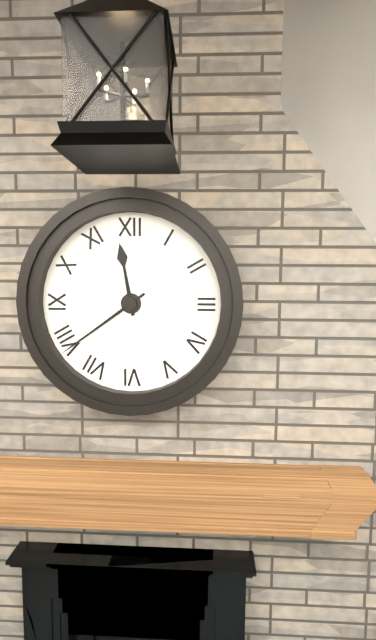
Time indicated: 11,39
